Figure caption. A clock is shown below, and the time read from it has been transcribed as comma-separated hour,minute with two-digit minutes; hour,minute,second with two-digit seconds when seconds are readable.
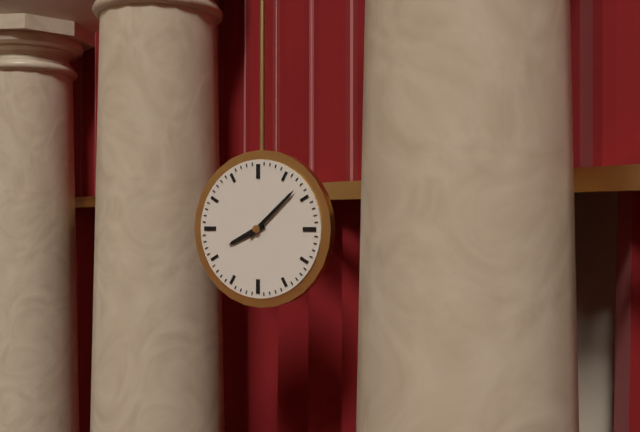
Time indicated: 8,08
